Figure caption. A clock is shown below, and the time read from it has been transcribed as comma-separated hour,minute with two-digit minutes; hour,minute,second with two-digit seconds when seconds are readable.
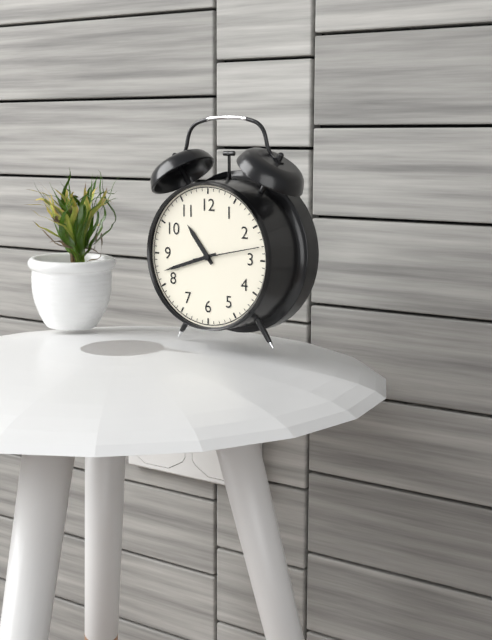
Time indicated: 10,42,13
